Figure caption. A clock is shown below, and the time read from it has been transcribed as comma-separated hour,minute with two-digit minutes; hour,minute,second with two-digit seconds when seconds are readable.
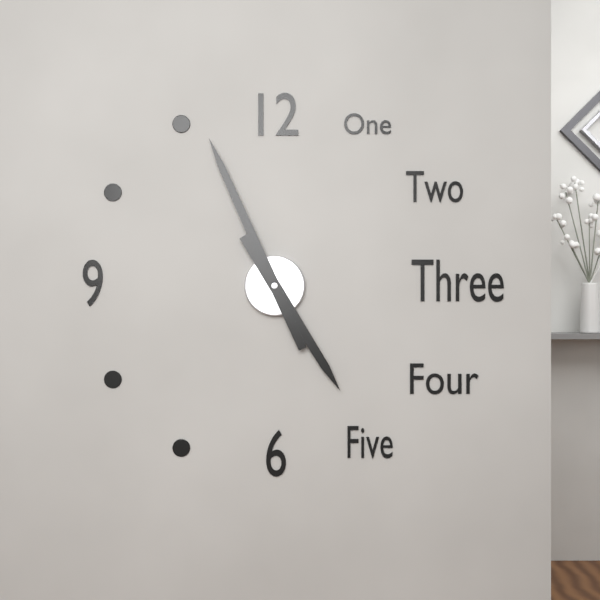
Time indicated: 4,56
